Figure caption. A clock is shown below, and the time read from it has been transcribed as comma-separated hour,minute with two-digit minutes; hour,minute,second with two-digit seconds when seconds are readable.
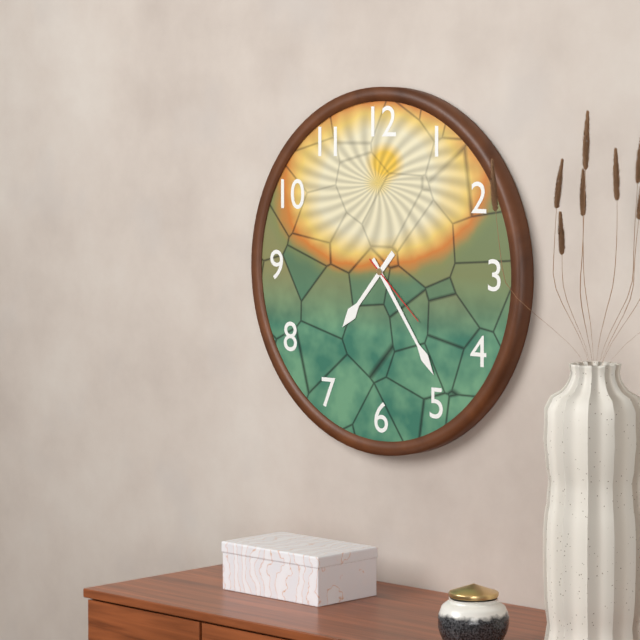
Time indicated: 7,24,22
